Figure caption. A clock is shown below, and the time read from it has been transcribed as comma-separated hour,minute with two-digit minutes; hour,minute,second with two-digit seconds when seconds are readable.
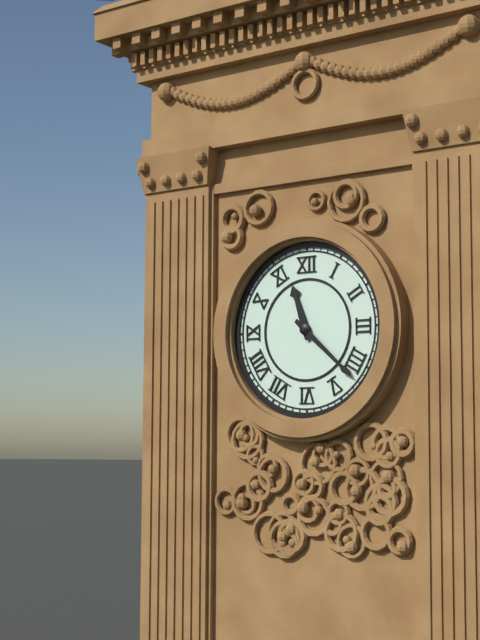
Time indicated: 11,22
